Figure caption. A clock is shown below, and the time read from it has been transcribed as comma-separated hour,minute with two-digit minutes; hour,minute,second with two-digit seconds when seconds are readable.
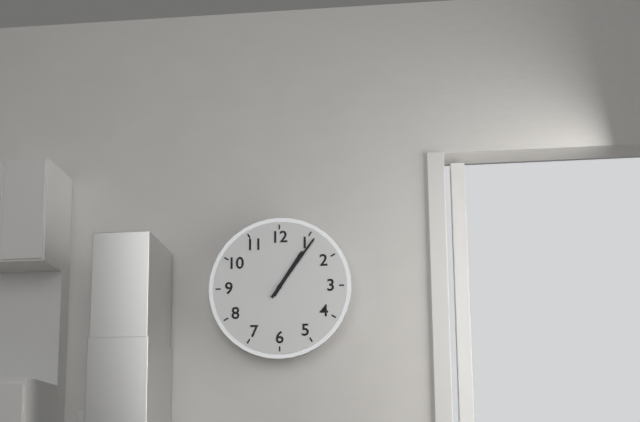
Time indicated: 1,06
